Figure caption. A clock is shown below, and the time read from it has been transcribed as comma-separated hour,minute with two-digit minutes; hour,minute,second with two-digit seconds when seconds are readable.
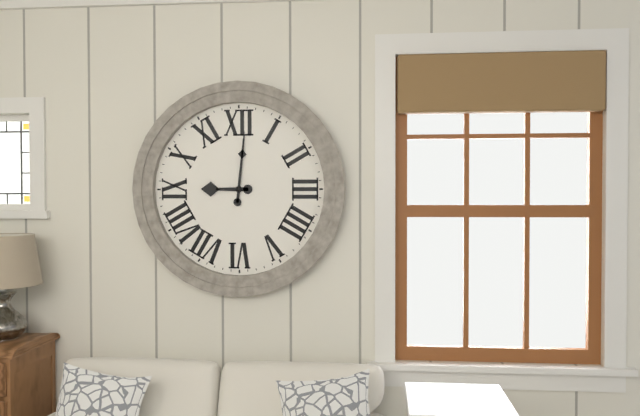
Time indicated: 9,01
